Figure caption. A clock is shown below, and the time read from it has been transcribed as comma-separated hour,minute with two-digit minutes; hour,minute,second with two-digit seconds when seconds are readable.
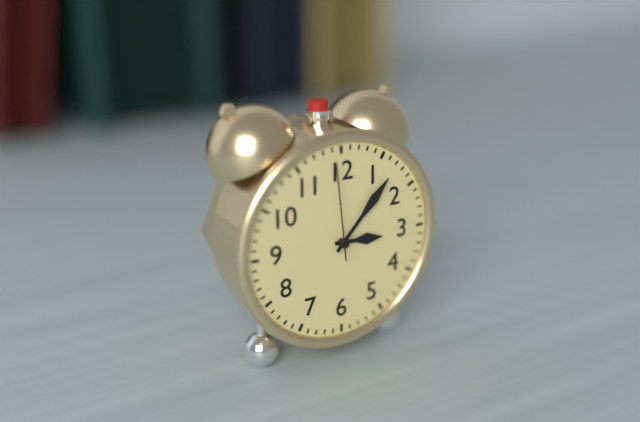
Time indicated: 3,07,59
